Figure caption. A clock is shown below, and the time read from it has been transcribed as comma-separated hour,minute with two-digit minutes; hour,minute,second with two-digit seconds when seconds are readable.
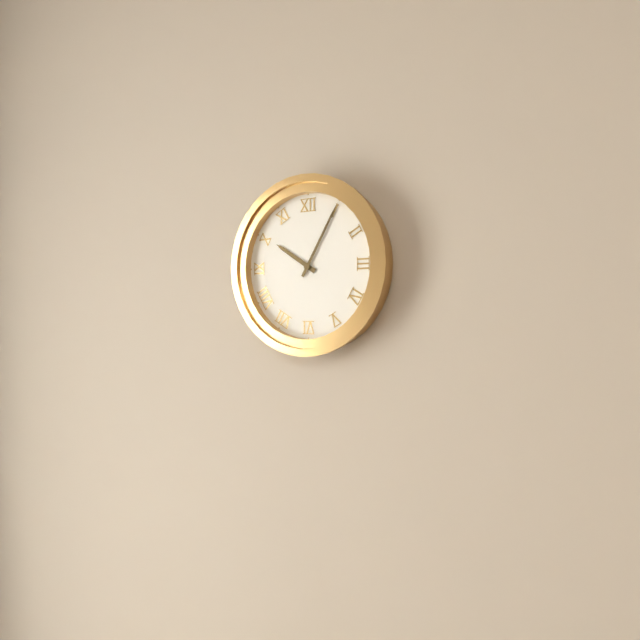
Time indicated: 10,05
